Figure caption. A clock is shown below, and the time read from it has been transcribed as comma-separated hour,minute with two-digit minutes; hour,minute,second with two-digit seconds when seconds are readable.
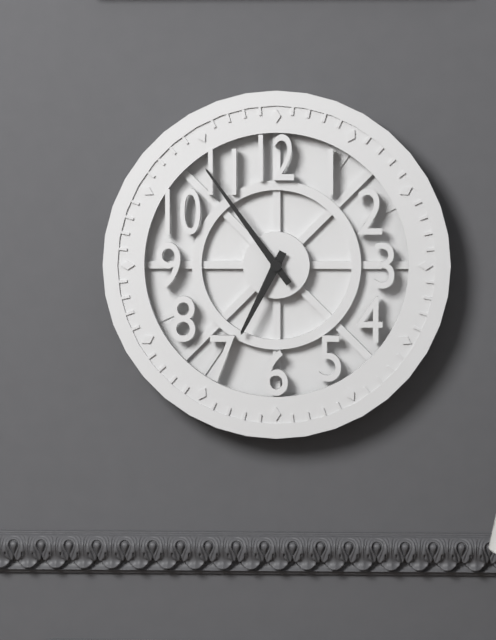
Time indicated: 6,54
